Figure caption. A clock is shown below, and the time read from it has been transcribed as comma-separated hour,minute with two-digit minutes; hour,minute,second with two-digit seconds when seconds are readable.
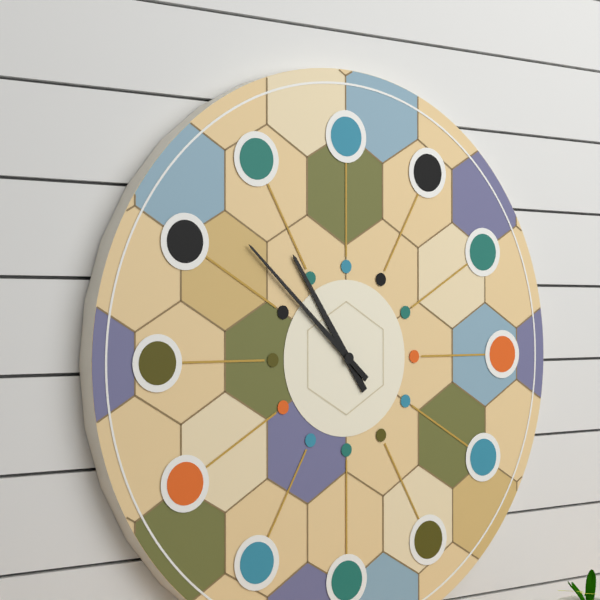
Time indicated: 10,52
